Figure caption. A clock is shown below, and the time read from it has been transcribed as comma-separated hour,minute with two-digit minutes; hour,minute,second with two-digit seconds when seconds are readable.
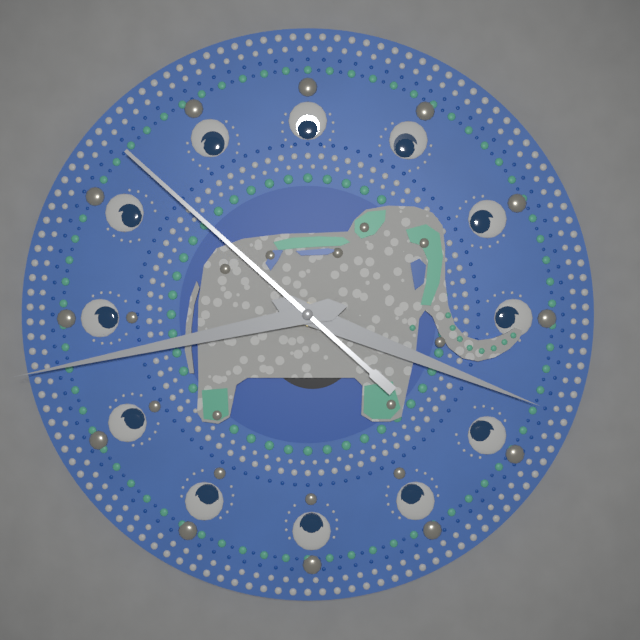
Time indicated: 3,43,52
